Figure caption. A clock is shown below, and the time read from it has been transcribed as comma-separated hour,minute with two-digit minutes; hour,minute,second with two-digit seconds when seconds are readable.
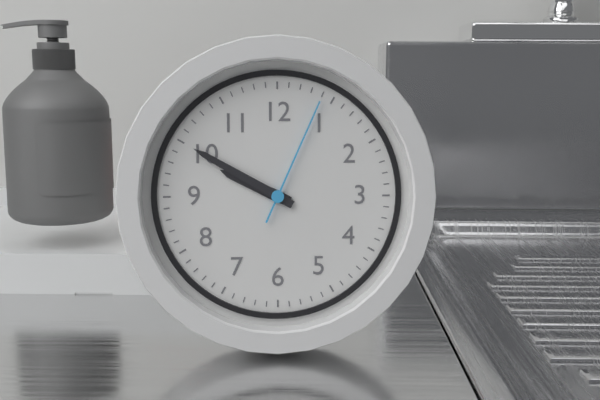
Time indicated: 9,50,04
